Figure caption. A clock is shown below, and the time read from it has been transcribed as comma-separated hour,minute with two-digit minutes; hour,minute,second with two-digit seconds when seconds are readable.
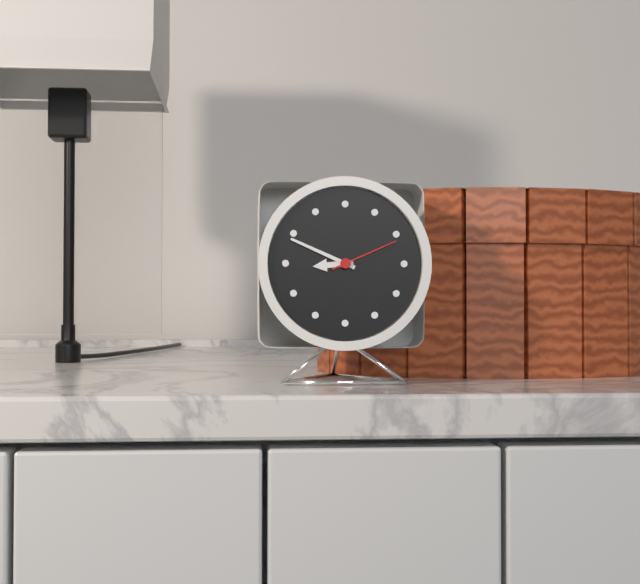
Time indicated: 8,49,11
